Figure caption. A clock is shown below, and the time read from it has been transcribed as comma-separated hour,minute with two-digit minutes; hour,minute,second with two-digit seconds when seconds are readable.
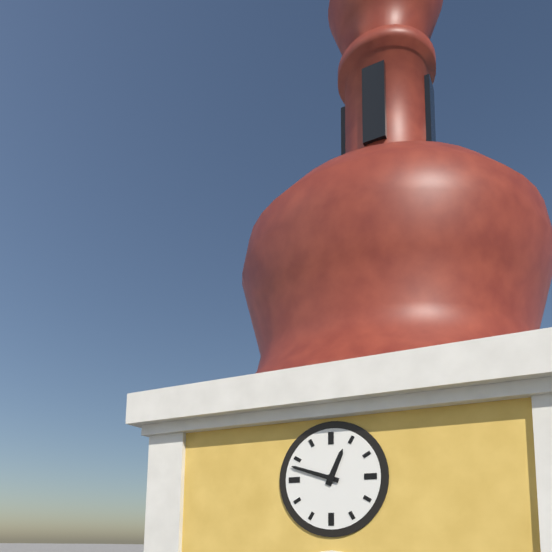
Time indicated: 12,48
